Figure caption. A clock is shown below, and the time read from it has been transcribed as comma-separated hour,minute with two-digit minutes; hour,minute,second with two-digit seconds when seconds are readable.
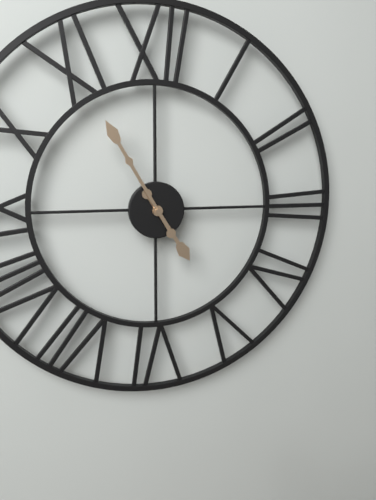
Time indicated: 4,55
